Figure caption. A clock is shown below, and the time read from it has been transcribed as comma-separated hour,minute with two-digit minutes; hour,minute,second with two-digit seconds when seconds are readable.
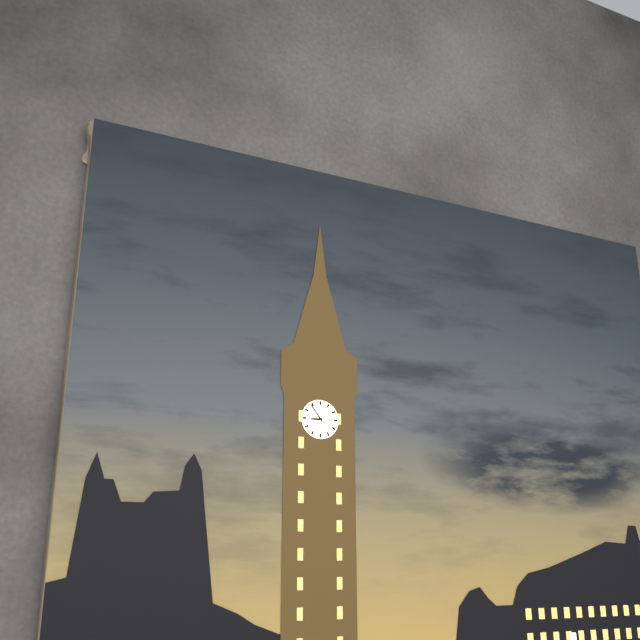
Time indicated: 8,54
